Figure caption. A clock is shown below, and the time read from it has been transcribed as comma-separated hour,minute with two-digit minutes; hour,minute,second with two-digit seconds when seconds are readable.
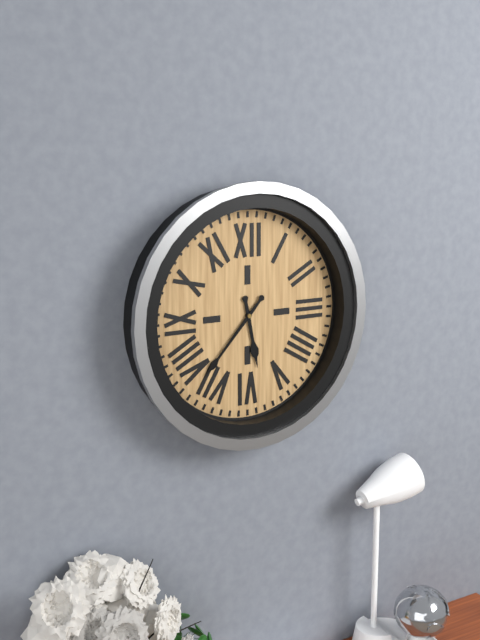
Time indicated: 5,37
